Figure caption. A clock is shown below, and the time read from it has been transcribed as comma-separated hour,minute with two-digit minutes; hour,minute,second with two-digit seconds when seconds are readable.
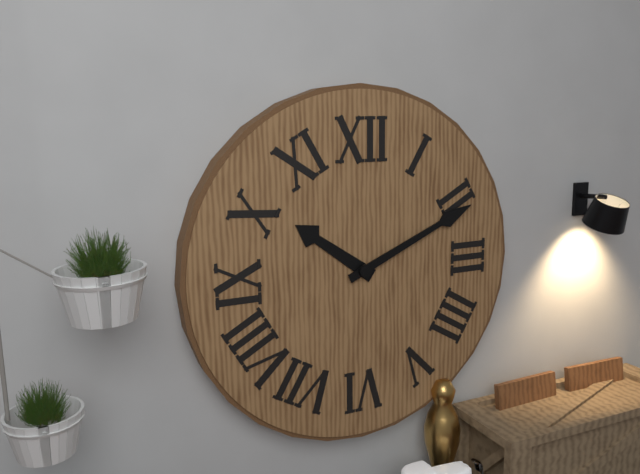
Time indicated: 10,11
